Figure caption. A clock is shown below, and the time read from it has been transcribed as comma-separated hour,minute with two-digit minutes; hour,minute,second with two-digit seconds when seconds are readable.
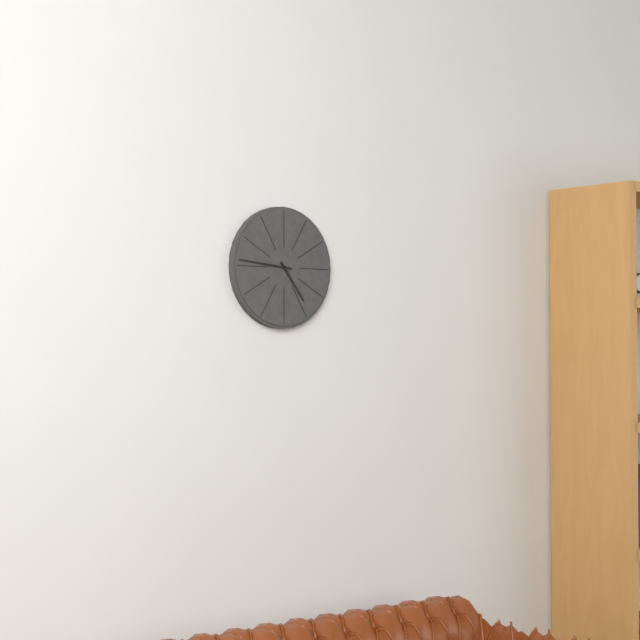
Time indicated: 4,46
